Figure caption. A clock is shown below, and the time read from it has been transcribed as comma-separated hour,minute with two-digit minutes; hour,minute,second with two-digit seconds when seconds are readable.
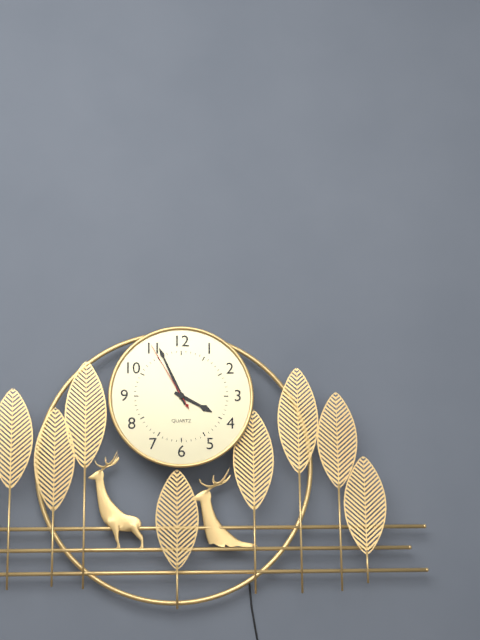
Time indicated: 3,56,55
